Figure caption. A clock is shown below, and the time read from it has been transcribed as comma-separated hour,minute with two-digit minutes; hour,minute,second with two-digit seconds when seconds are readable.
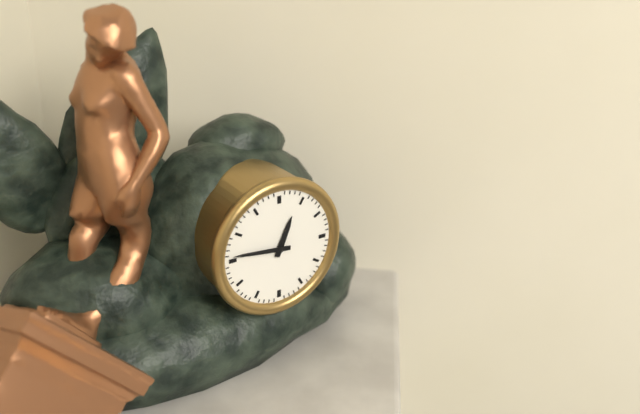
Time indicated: 12,46
